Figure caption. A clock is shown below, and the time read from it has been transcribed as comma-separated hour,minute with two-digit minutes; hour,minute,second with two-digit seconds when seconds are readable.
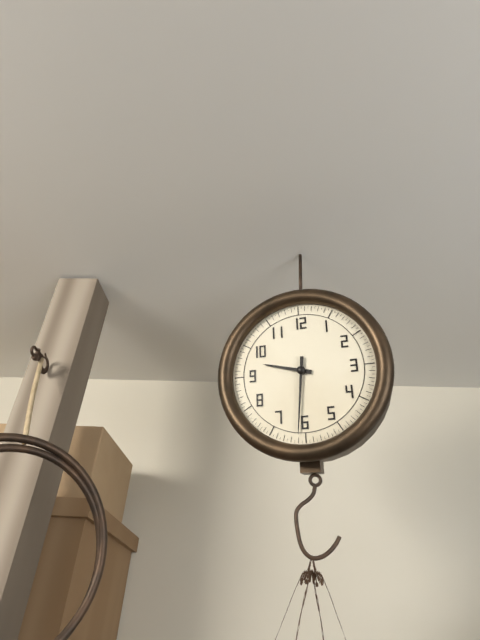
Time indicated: 9,31
